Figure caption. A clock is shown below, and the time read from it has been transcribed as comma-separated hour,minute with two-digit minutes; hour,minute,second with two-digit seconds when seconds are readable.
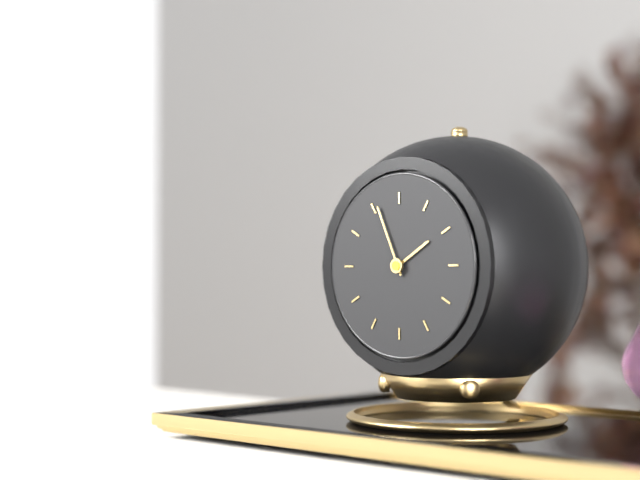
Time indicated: 1,56
